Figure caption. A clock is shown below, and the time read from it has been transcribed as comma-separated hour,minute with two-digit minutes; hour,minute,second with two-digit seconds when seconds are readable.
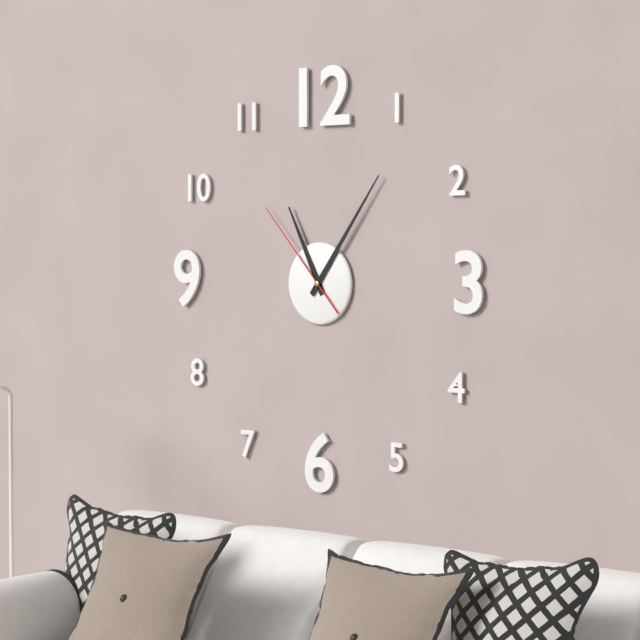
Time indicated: 11,06,53
